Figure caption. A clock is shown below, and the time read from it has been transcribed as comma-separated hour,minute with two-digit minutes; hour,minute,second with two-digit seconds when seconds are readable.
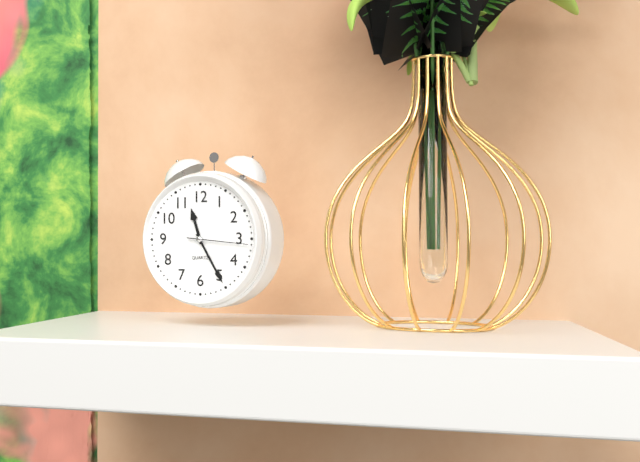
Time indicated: 11,25,16
